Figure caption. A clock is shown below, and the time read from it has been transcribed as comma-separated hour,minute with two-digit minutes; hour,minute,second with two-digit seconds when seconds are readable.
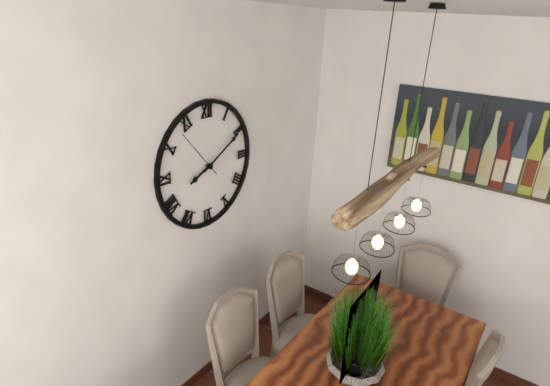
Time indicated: 8,10
